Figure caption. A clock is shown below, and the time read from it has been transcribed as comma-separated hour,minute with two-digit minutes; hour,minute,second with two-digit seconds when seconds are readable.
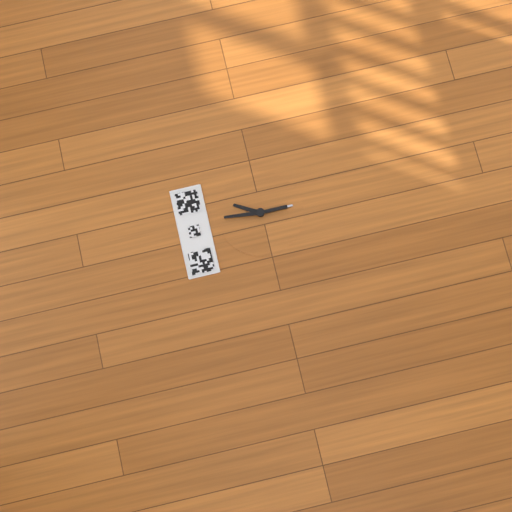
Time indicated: 1,01
